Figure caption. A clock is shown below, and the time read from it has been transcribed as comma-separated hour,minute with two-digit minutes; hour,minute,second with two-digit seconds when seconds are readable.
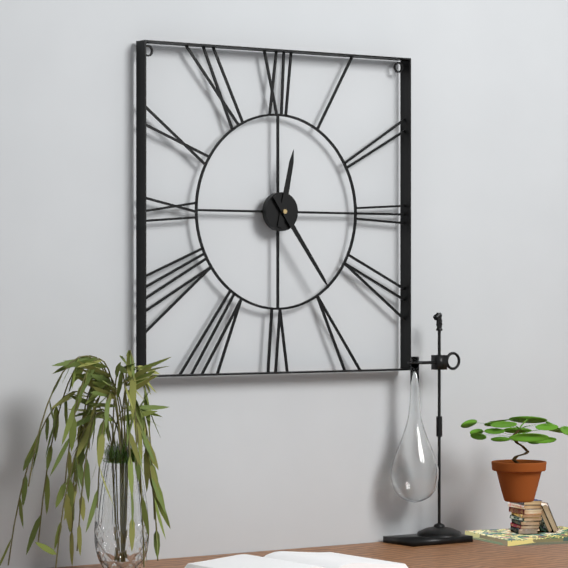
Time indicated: 12,24
